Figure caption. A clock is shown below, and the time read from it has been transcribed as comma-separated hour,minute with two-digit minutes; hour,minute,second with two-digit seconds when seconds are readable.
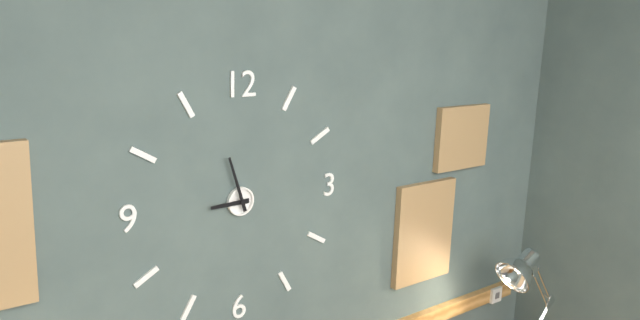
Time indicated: 8,57
